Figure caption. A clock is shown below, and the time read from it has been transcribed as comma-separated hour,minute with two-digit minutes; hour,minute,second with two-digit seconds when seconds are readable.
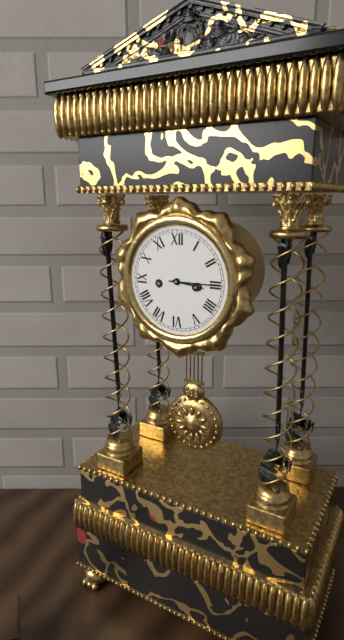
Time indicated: 3,15
